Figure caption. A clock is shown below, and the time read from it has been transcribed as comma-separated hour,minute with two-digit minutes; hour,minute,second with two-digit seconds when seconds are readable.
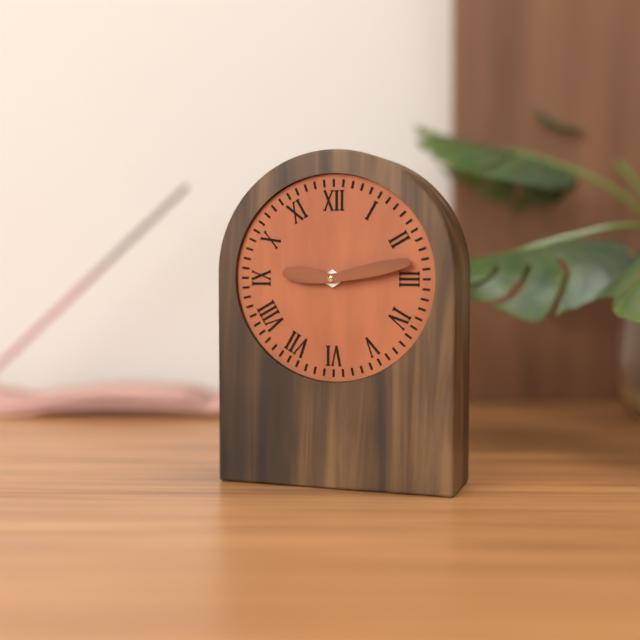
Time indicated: 9,13
